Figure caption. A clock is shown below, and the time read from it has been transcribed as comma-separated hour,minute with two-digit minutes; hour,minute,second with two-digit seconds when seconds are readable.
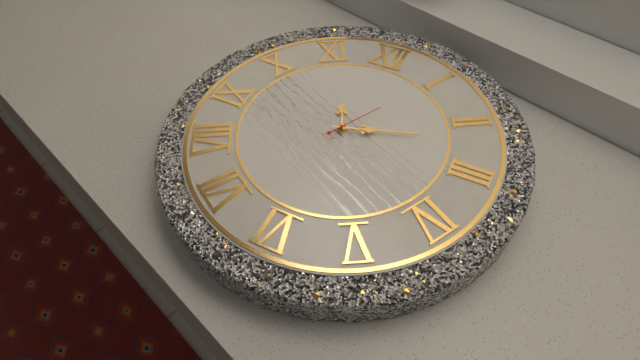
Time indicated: 11,12,05
